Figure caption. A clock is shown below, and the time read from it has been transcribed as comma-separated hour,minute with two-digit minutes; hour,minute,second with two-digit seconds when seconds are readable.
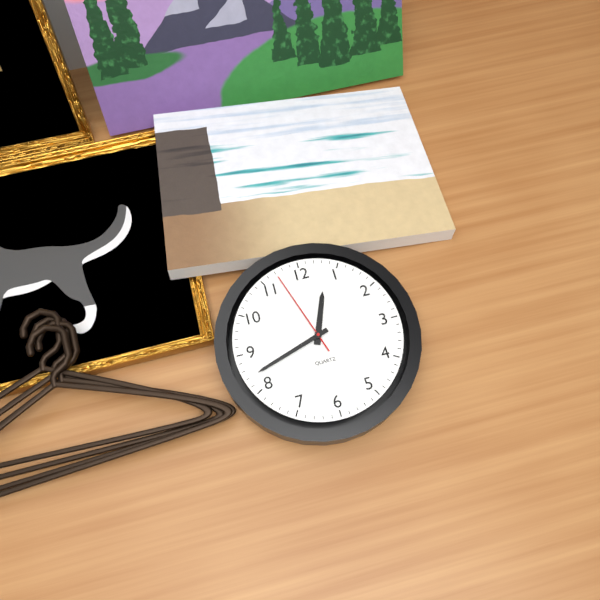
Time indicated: 12,42,57
